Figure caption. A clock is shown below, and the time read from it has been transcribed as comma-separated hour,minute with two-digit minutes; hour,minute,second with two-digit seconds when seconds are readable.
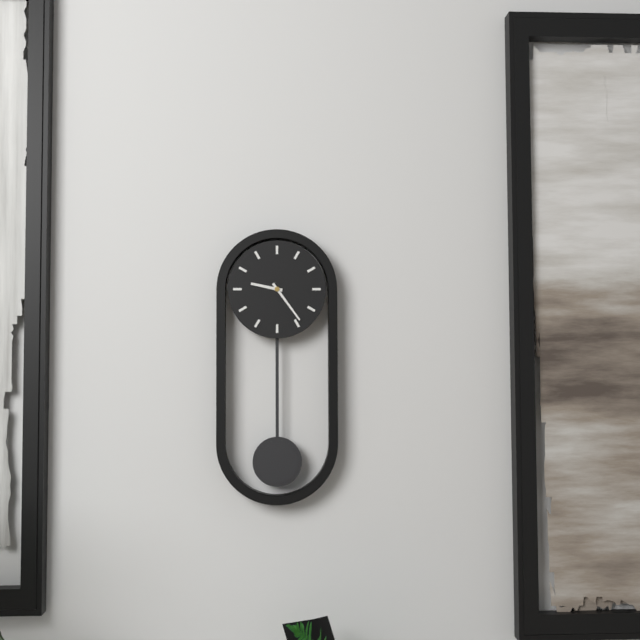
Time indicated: 9,24
